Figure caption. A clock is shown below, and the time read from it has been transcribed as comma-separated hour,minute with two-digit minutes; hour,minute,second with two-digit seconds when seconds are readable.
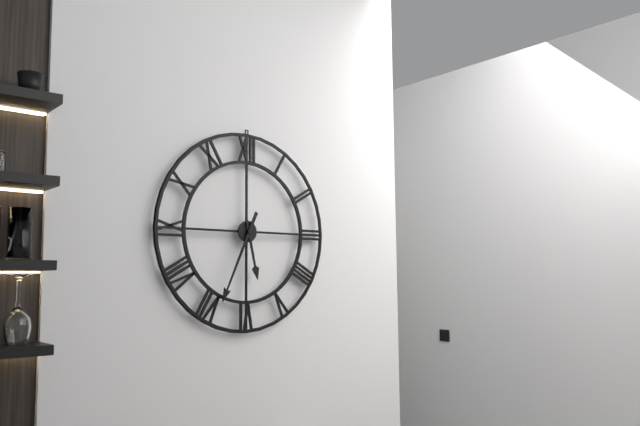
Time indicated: 5,34
